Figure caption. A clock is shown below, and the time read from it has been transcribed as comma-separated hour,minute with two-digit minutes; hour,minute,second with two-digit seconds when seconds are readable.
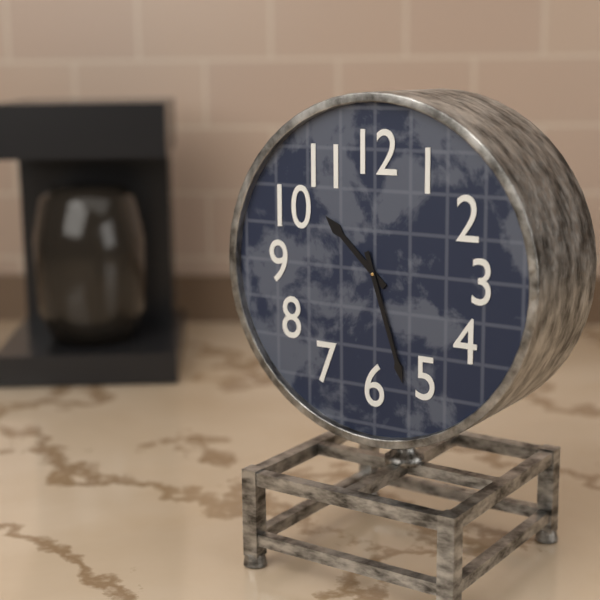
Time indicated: 10,27
